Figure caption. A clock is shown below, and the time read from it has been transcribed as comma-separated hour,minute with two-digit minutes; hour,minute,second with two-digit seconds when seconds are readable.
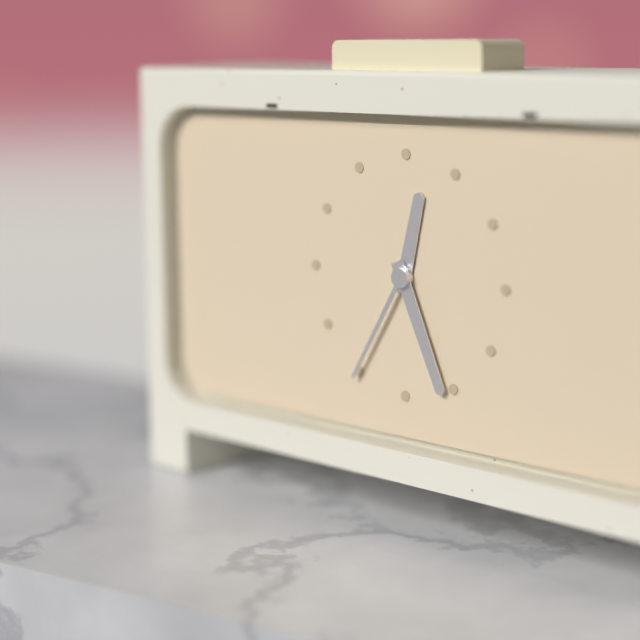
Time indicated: 12,26,35
